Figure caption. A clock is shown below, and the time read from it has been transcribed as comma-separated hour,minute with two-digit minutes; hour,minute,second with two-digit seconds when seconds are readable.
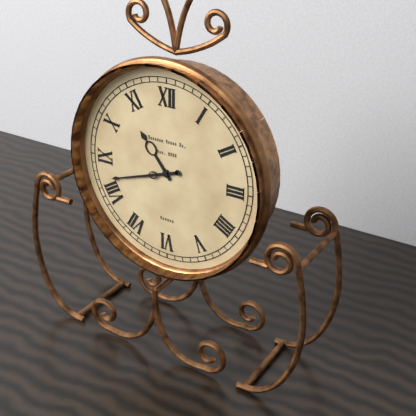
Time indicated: 10,42
